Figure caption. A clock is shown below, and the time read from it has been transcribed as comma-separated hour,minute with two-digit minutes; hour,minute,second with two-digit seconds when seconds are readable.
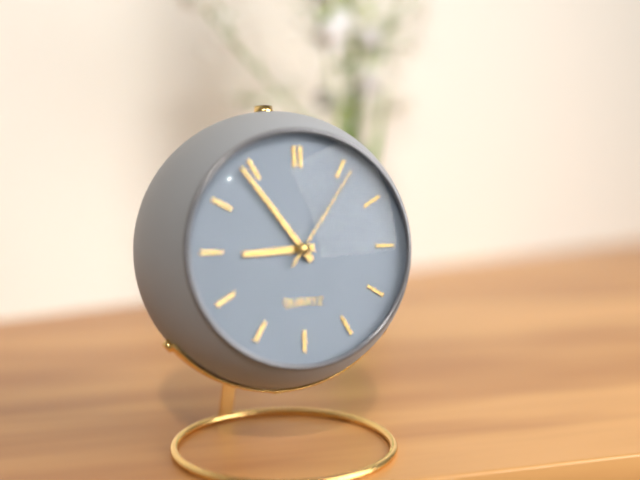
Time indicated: 8,54,06
